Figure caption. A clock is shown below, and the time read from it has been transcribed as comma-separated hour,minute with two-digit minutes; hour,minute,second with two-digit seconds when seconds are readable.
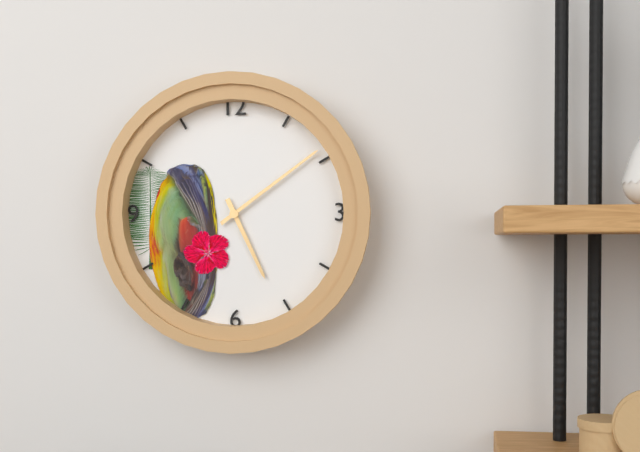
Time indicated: 5,09
